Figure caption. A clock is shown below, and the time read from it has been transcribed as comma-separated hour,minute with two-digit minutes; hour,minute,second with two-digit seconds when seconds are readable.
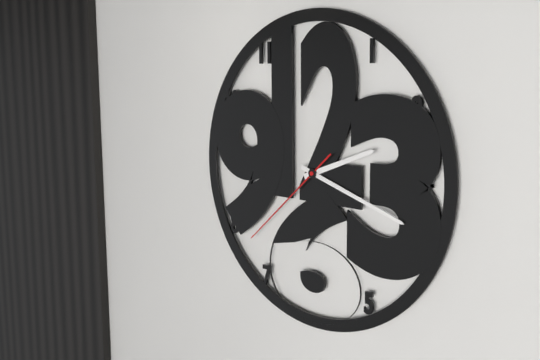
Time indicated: 2,18,38
